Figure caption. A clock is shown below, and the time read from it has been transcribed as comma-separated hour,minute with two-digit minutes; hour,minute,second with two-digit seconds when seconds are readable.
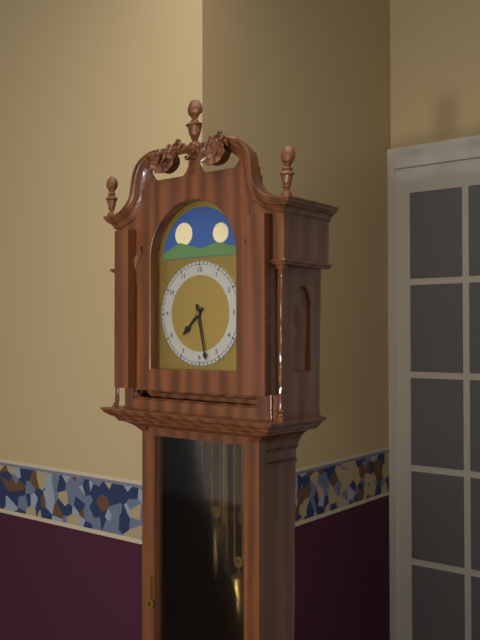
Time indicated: 7,28
